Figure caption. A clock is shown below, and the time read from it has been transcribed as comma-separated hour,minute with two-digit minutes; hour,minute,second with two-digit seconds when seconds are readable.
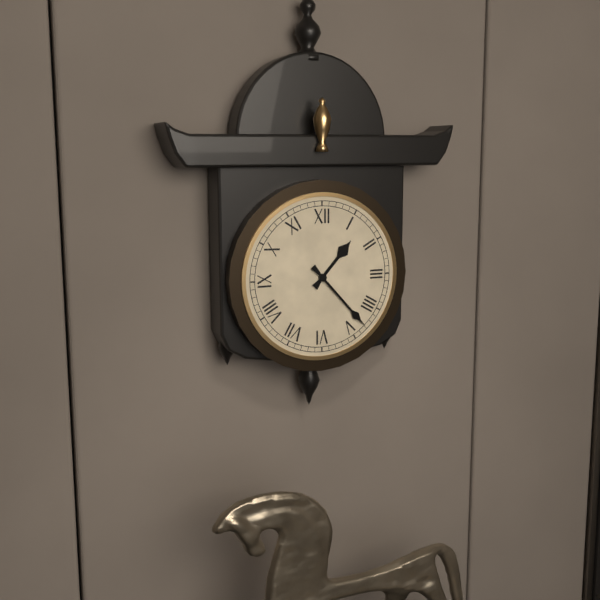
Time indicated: 1,23
